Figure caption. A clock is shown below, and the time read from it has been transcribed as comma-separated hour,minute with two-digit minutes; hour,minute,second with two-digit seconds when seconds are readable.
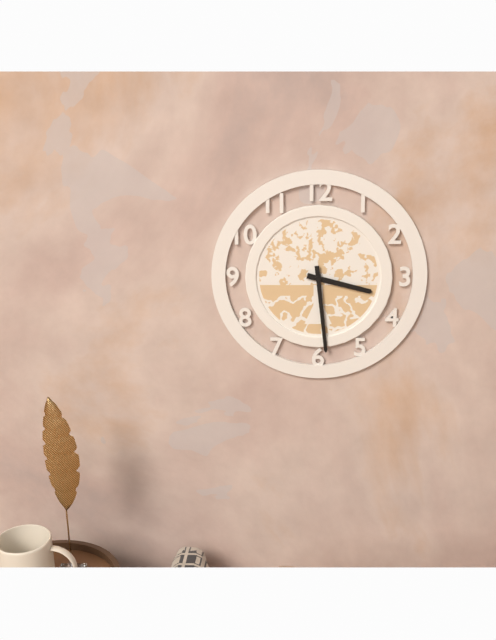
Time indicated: 3,29
